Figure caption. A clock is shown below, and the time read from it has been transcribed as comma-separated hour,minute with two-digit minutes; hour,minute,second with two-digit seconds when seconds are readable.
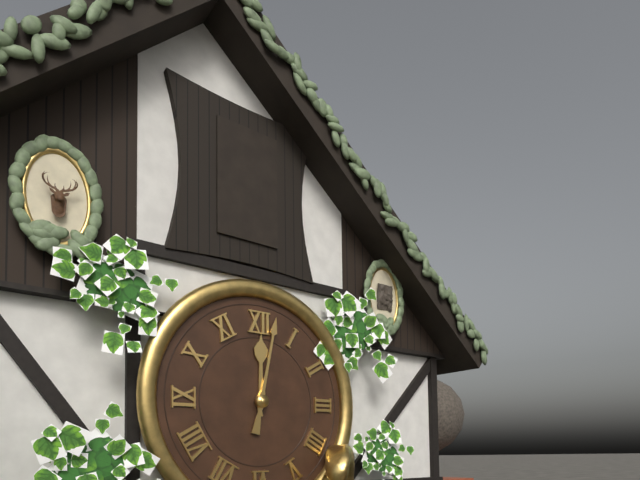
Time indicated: 12,02
